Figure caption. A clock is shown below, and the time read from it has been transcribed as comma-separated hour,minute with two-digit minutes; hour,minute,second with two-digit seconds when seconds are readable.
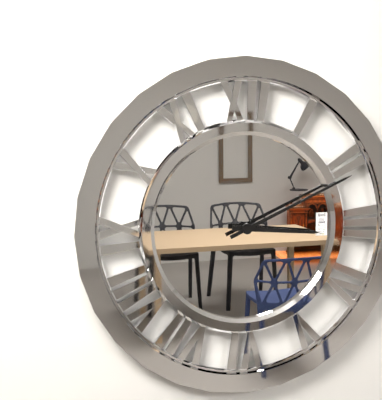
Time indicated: 3,11
